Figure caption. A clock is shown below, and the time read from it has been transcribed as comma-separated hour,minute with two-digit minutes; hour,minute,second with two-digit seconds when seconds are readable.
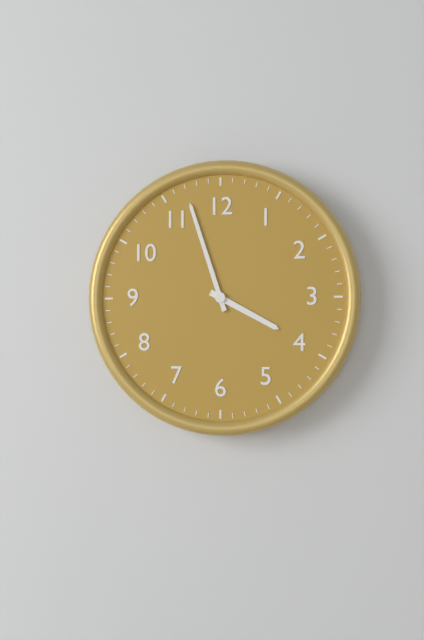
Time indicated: 3,57
